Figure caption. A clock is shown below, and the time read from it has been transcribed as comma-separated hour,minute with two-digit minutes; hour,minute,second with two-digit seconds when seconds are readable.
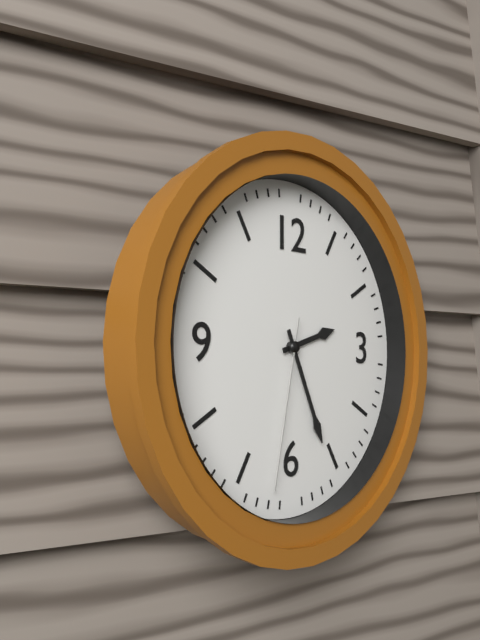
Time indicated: 2,26,32
